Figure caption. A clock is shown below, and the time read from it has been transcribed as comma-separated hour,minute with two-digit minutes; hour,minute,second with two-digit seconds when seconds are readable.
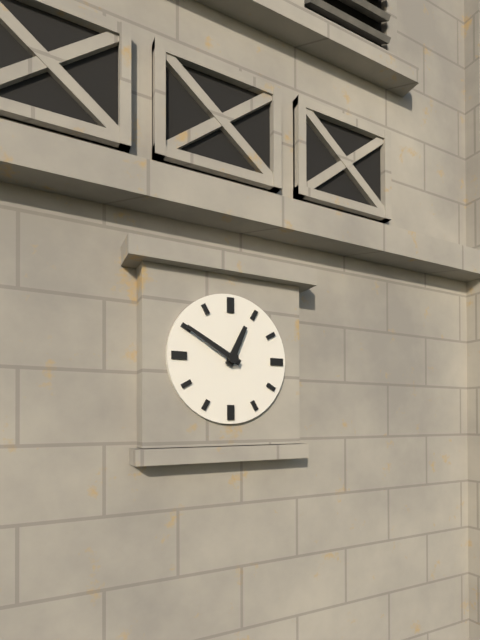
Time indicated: 12,50
